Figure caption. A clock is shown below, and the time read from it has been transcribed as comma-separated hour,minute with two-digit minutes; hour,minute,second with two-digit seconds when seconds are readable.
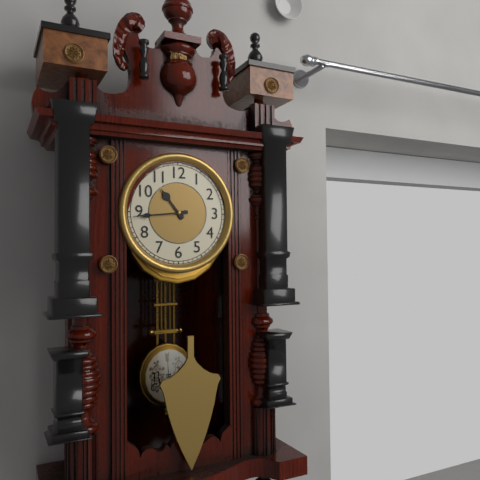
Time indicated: 10,44
